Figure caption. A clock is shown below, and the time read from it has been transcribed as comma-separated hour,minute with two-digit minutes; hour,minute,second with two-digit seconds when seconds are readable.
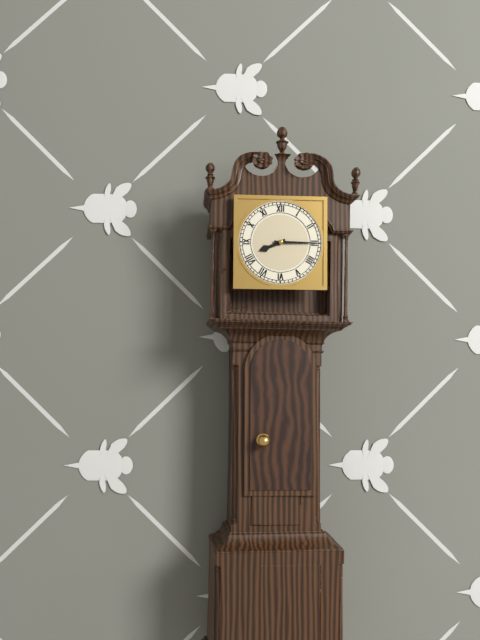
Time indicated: 8,15
